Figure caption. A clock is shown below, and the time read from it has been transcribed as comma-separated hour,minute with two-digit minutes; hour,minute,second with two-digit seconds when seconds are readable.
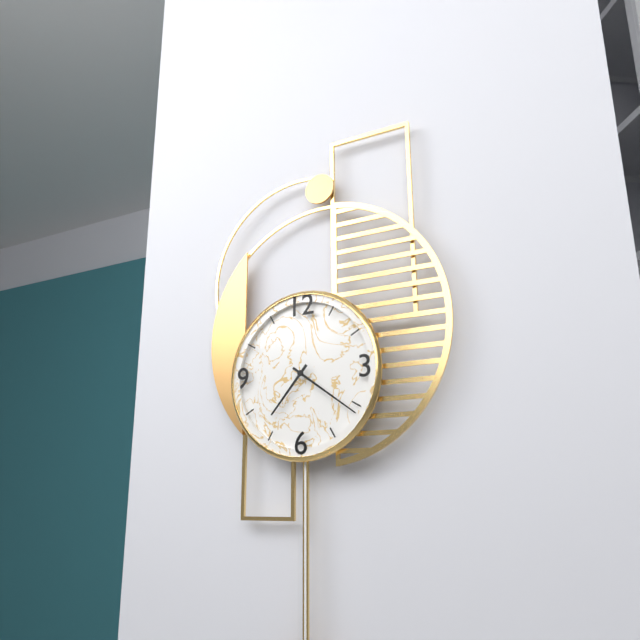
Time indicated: 7,21
